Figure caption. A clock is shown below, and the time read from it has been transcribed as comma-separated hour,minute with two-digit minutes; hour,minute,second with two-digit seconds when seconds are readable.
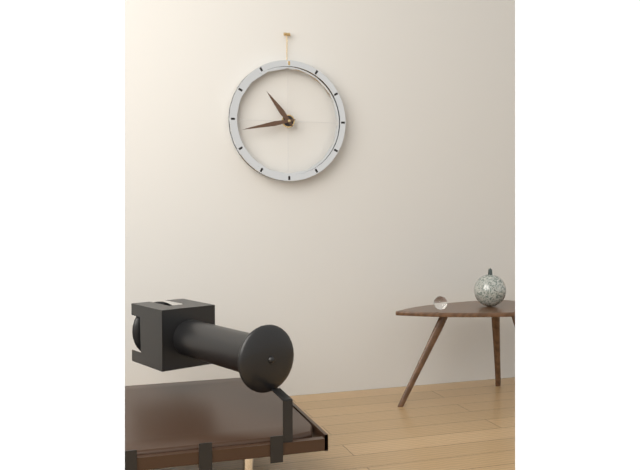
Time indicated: 10,43
